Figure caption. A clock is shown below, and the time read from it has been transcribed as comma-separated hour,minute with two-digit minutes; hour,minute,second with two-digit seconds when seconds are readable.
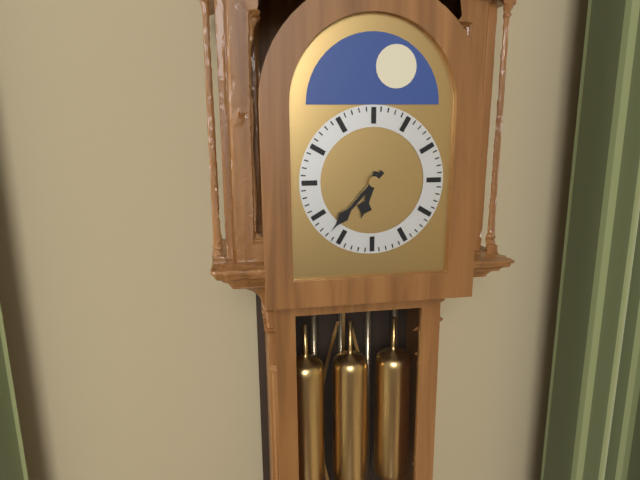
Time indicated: 6,37
